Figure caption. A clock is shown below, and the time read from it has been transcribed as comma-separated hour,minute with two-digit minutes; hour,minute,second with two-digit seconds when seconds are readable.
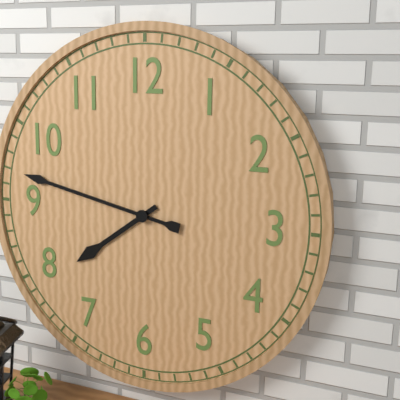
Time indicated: 7,47
